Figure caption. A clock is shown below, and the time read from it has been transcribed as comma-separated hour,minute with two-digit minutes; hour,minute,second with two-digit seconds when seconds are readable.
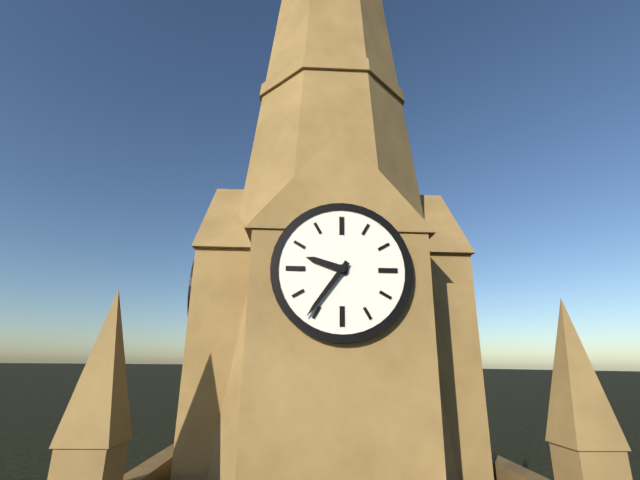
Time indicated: 9,36
